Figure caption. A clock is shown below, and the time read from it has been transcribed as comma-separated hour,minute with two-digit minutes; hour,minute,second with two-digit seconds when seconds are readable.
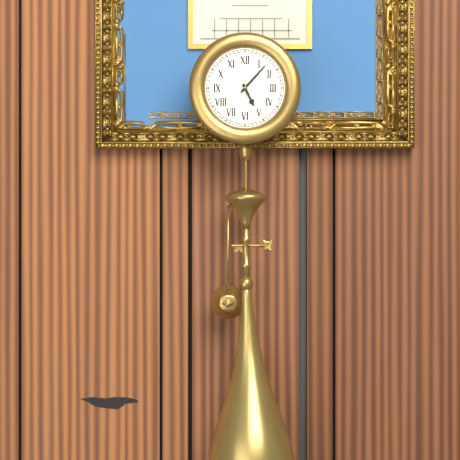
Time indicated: 5,07
